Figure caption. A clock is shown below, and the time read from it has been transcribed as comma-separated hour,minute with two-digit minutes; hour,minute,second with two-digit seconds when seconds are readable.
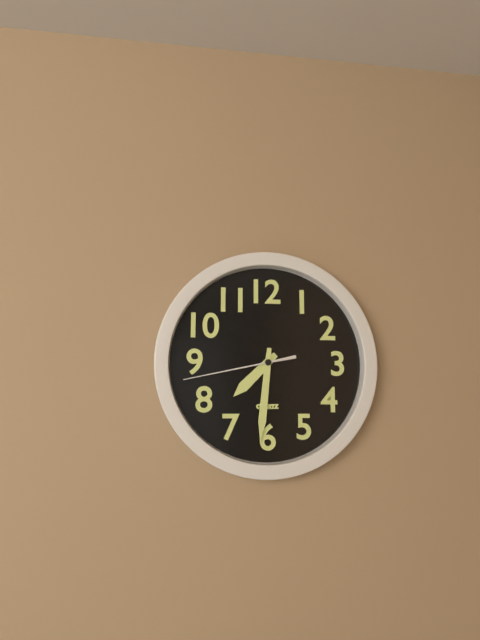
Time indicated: 7,31,43
